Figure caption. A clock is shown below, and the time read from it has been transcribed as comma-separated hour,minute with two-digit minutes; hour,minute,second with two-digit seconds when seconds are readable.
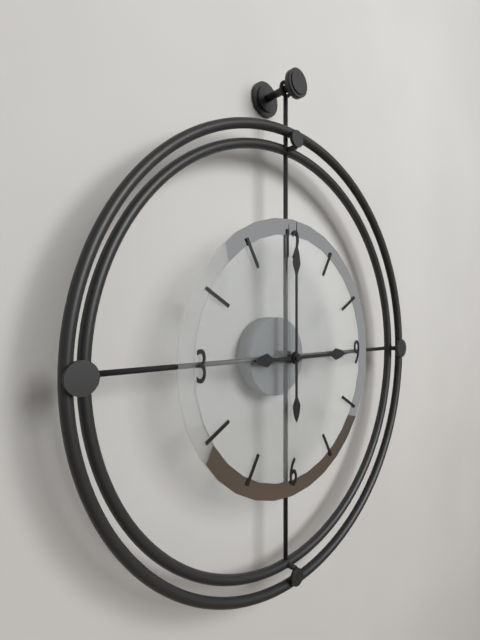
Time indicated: 3,00
